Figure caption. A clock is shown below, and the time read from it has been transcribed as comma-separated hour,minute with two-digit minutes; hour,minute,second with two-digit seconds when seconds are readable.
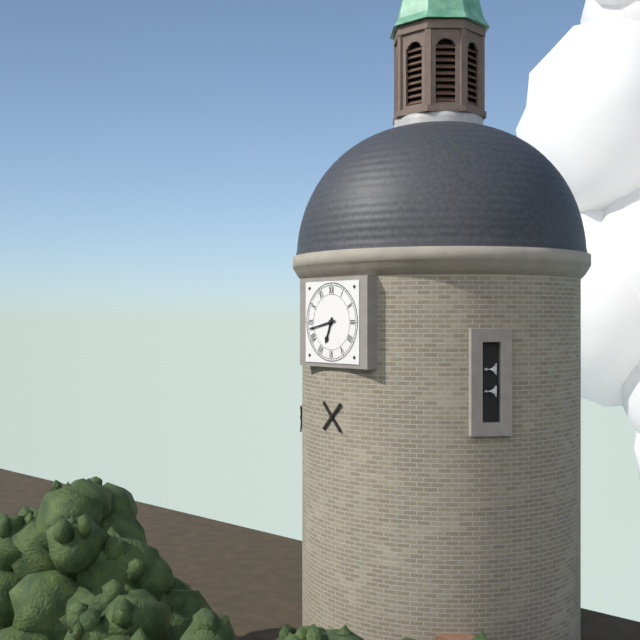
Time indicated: 6,43
